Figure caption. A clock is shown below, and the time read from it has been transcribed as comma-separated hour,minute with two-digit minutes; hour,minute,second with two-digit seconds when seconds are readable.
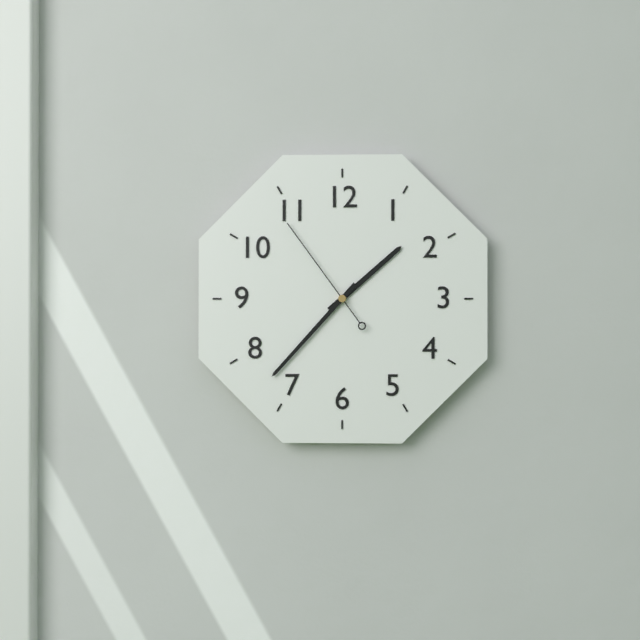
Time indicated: 1,37,54
